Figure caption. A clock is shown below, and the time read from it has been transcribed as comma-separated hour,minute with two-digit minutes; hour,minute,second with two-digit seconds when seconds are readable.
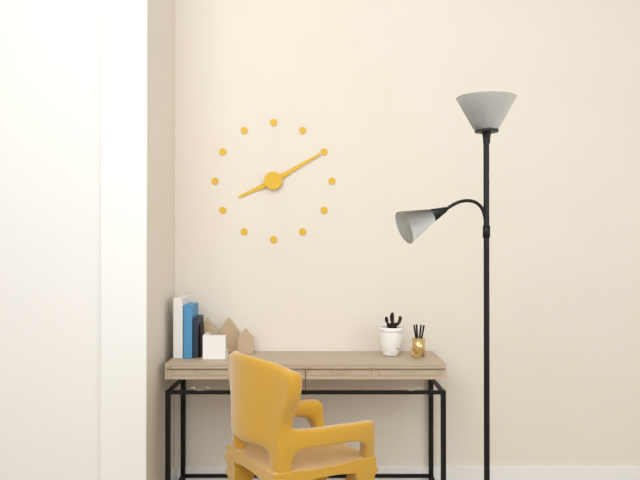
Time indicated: 8,10
